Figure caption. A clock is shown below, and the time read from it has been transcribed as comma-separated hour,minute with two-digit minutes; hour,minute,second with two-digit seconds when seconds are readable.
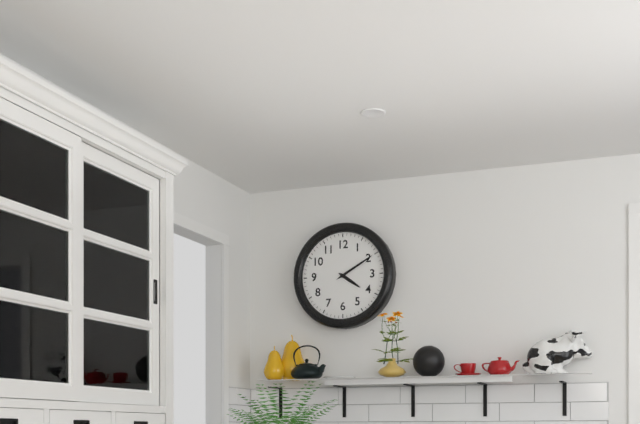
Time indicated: 4,10
